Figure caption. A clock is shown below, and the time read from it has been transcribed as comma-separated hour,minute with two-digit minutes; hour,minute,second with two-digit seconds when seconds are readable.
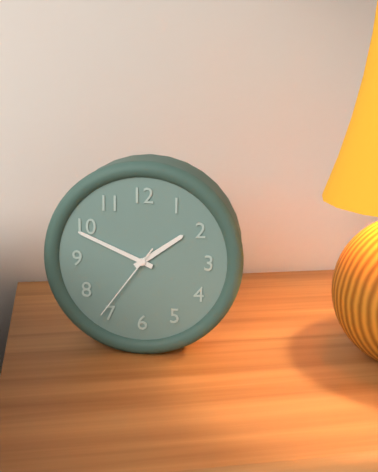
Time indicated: 1,49,36
